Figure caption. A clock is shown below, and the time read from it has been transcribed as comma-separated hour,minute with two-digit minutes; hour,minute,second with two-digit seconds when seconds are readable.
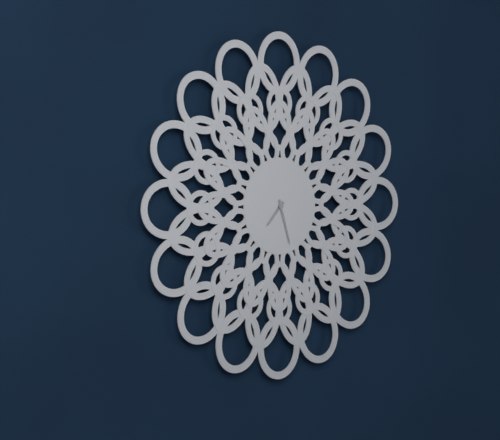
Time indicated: 7,27
